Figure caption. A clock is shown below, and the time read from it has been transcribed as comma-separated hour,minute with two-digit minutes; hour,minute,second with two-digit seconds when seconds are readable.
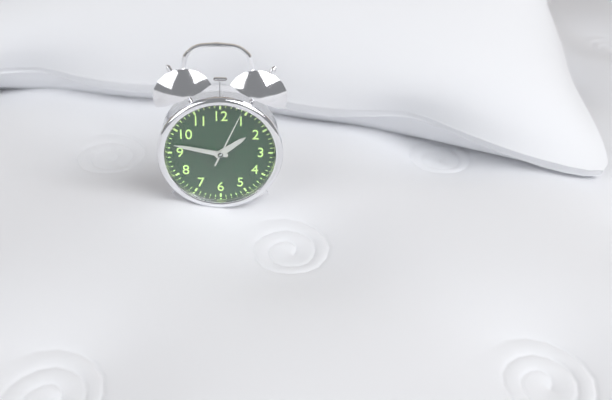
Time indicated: 1,47,04
